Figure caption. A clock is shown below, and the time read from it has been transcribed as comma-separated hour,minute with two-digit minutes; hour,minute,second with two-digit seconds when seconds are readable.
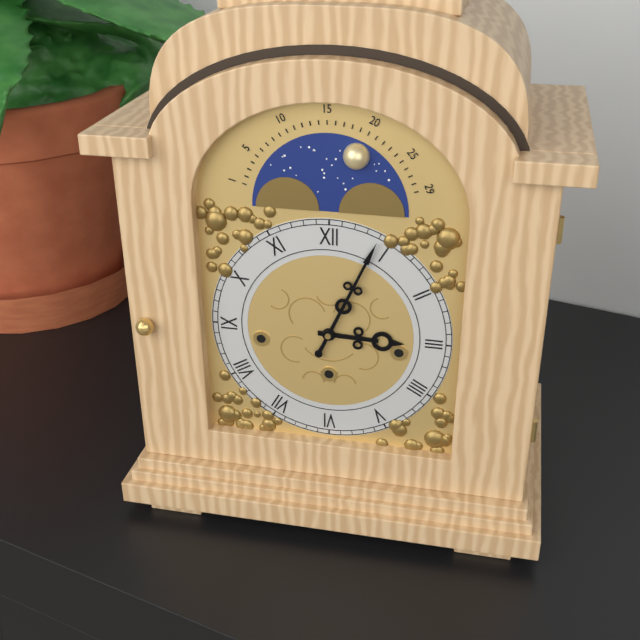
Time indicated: 3,04
